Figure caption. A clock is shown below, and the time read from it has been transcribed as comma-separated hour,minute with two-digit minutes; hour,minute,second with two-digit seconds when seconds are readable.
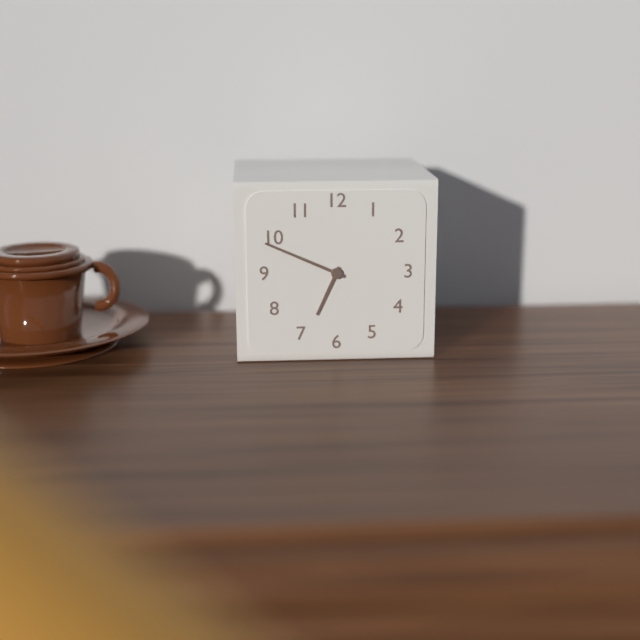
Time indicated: 6,49
